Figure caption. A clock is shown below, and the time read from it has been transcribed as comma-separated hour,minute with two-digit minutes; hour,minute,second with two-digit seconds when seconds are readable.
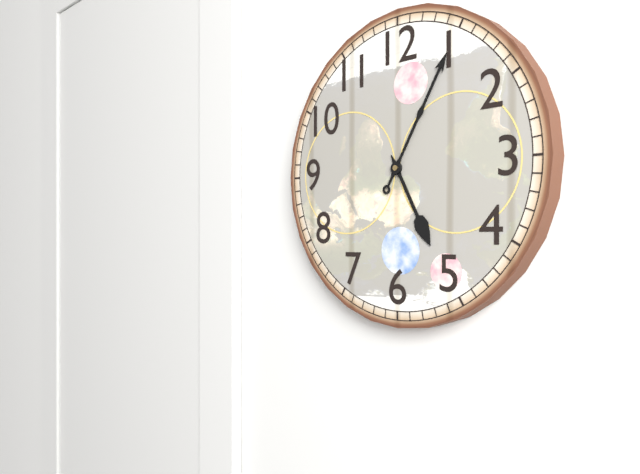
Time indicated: 5,05
